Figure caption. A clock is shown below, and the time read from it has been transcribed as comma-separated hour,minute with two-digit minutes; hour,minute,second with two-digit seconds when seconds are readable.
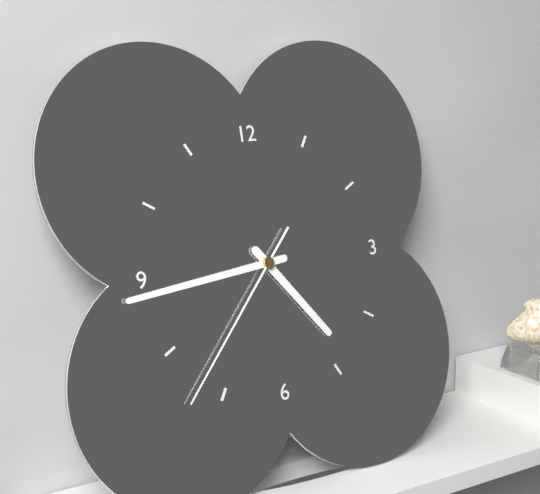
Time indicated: 4,44,37
